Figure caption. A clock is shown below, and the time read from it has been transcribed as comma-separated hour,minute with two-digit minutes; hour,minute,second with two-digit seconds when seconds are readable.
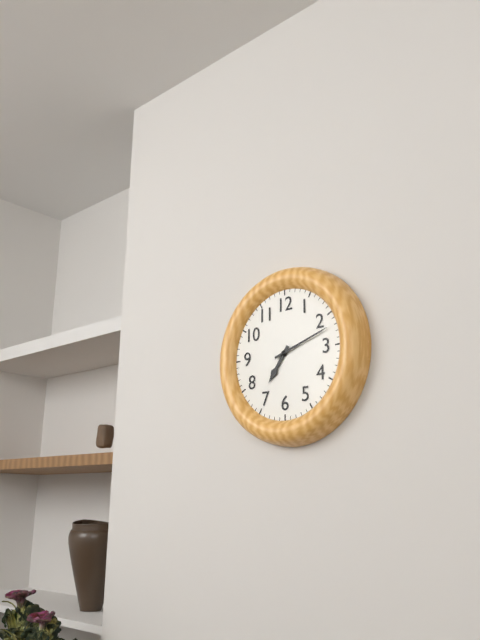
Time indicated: 7,12
